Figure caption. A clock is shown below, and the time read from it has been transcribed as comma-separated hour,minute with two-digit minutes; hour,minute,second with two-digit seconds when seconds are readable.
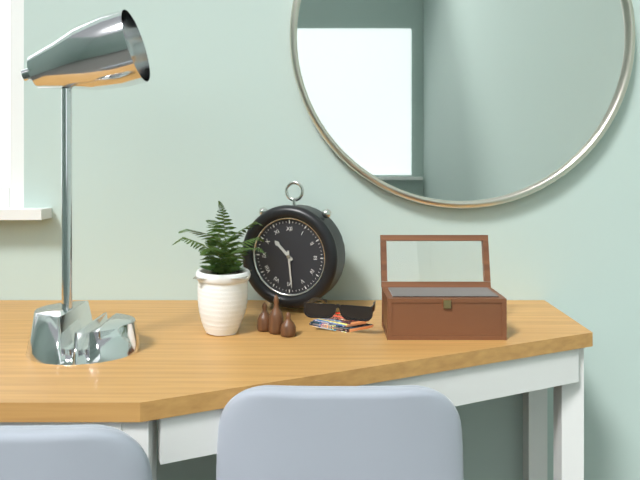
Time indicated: 10,29
